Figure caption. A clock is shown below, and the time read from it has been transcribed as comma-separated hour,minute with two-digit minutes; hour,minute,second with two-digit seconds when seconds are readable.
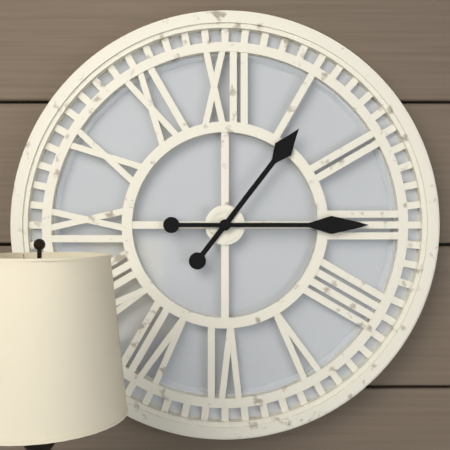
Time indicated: 1,15
